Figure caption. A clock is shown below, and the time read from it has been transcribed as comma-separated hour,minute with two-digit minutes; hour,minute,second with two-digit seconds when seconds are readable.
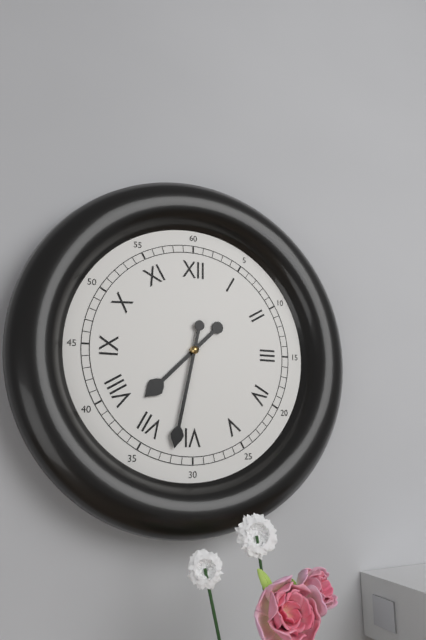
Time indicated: 7,32
